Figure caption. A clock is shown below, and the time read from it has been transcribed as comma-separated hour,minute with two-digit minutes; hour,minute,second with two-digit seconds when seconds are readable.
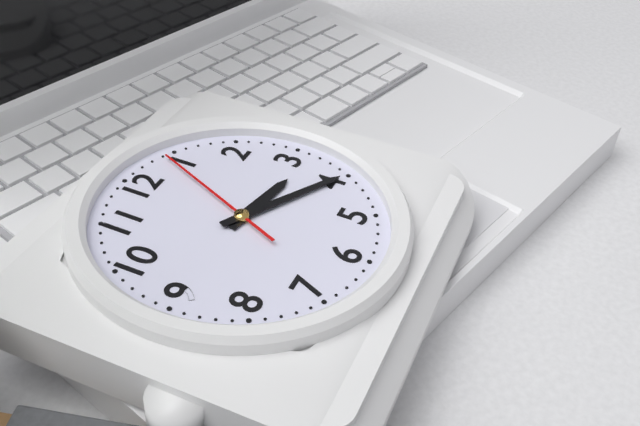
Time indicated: 3,20,04
